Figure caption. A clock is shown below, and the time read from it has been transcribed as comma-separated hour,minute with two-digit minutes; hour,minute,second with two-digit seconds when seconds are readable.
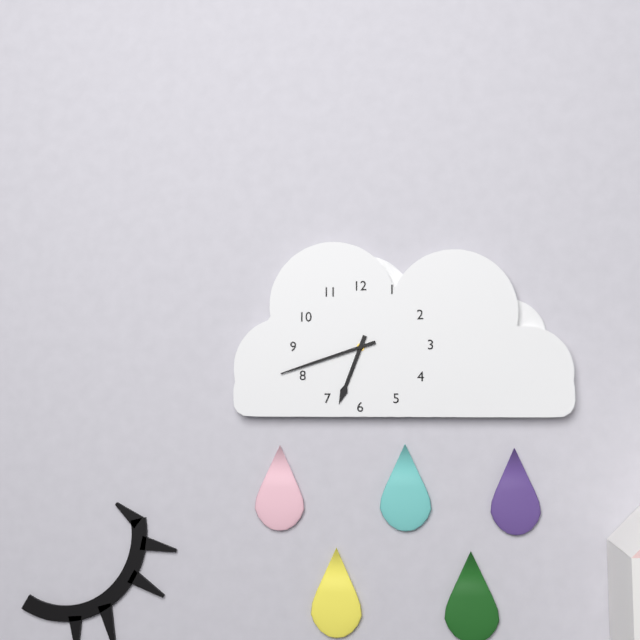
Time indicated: 6,42
